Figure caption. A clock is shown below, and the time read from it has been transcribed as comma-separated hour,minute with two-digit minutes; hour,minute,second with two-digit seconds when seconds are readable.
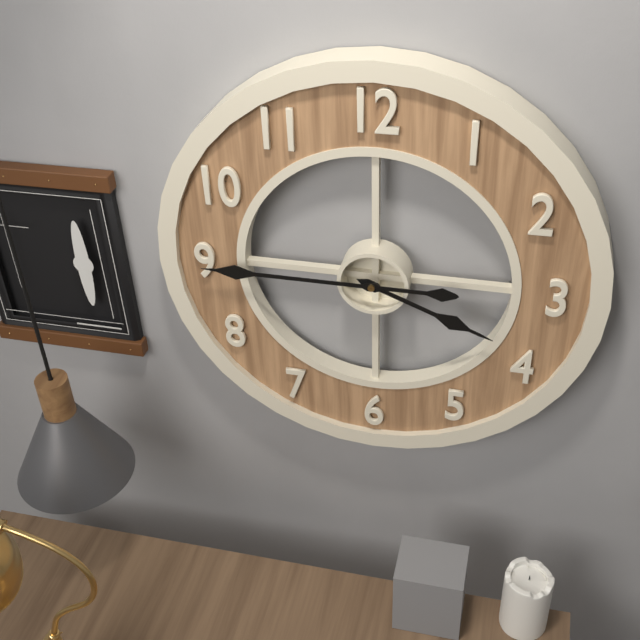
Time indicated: 3,45
